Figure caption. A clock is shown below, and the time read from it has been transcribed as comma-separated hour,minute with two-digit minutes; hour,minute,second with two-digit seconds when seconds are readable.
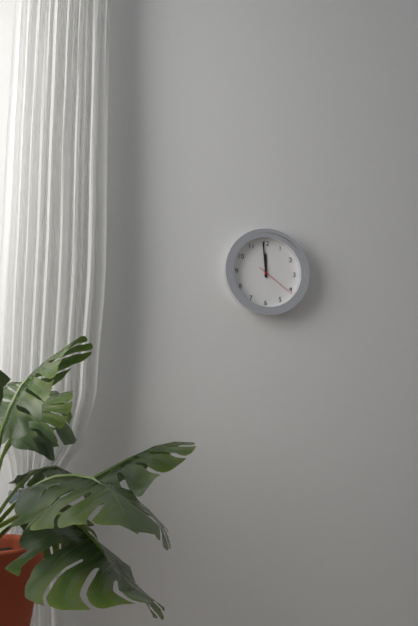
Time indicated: 11,59
